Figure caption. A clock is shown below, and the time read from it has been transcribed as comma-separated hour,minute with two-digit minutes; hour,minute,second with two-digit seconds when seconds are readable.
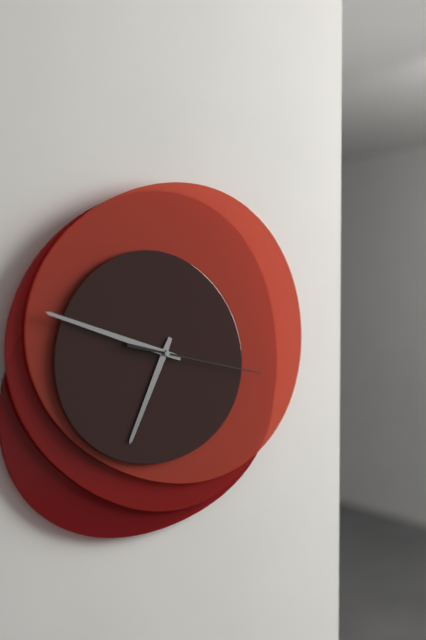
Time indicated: 6,48,17
